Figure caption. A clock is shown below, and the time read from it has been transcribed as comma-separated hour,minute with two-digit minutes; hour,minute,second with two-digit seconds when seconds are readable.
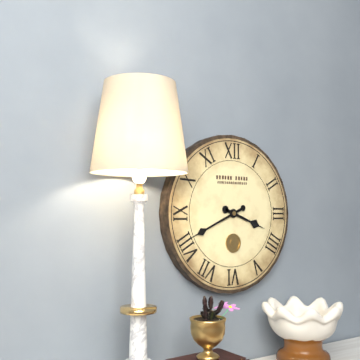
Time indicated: 3,41
